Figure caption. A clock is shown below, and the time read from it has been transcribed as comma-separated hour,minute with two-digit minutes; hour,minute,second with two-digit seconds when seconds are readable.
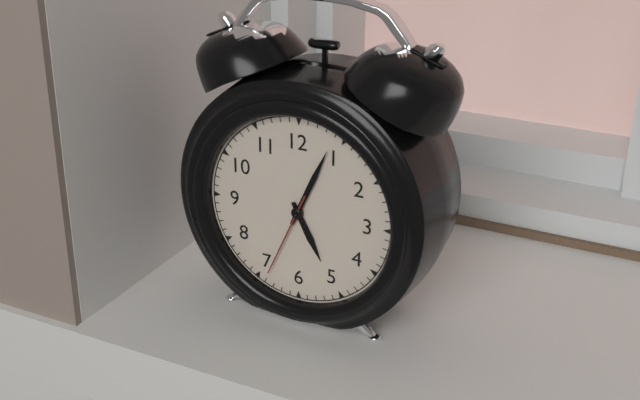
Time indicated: 5,04,34
